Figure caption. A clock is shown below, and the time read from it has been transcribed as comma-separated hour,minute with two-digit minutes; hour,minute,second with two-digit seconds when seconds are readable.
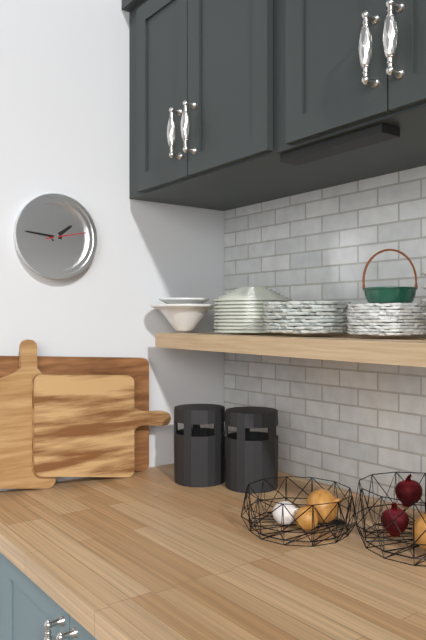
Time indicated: 1,46
